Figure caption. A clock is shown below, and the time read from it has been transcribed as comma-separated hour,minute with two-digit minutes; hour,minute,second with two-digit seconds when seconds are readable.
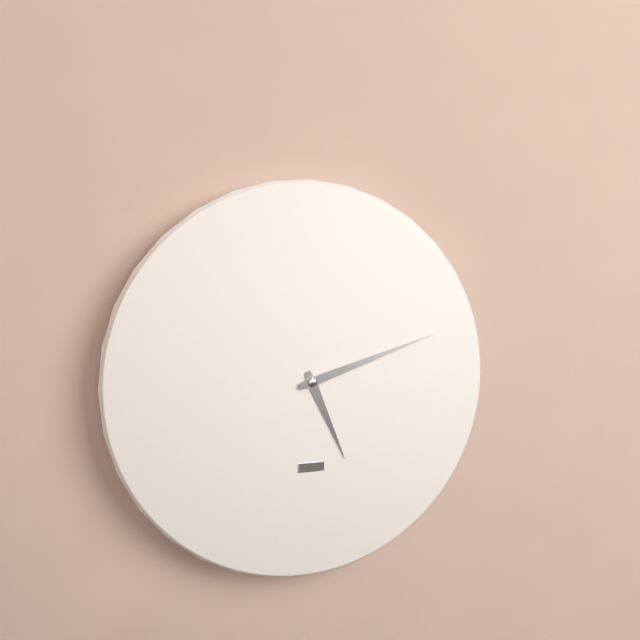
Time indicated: 5,12
